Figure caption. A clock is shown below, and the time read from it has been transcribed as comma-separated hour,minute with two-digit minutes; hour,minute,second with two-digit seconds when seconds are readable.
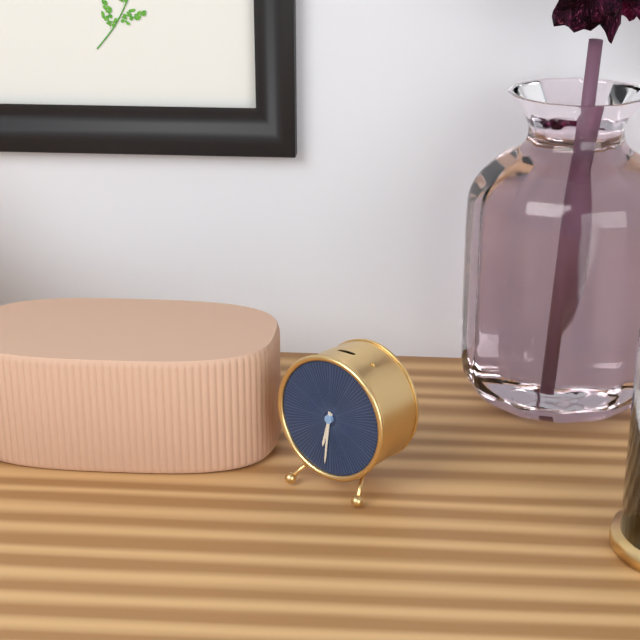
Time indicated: 6,31
